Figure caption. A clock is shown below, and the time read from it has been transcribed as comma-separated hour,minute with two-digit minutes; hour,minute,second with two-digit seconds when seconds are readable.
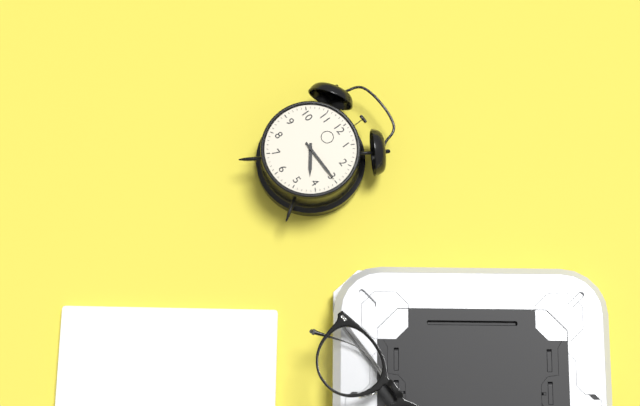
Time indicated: 4,15
